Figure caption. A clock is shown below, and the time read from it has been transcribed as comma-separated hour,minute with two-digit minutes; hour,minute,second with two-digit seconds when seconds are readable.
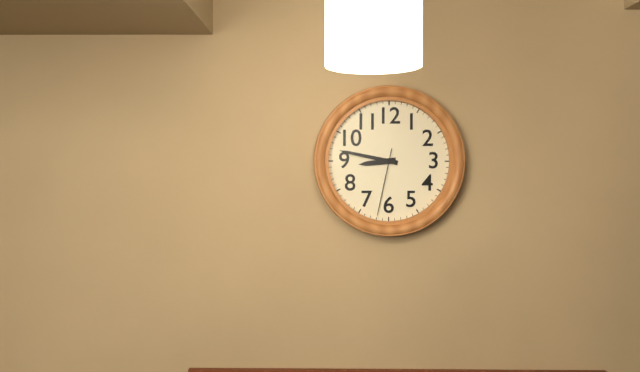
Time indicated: 8,47,32
